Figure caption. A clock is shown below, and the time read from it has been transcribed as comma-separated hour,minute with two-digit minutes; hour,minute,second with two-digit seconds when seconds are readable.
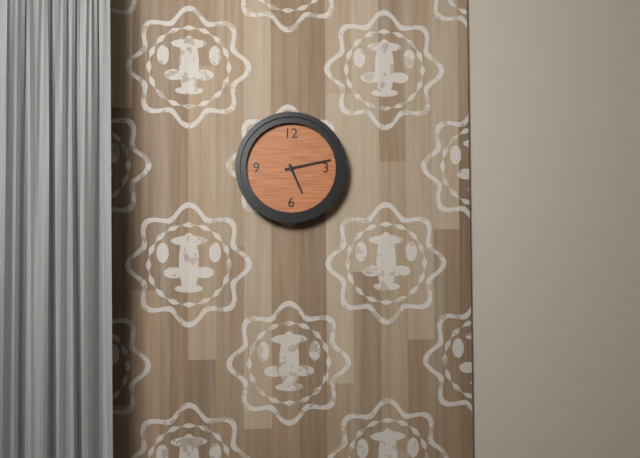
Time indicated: 5,13
